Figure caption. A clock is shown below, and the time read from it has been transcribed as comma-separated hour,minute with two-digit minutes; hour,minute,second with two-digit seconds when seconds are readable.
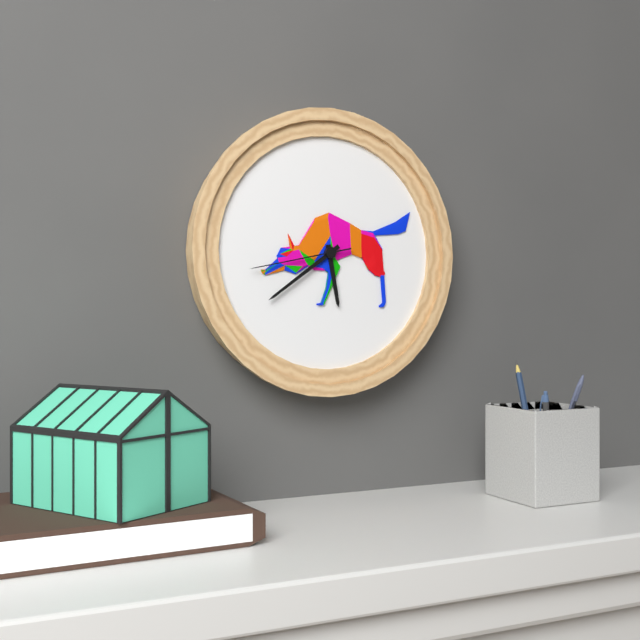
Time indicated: 5,39,43
